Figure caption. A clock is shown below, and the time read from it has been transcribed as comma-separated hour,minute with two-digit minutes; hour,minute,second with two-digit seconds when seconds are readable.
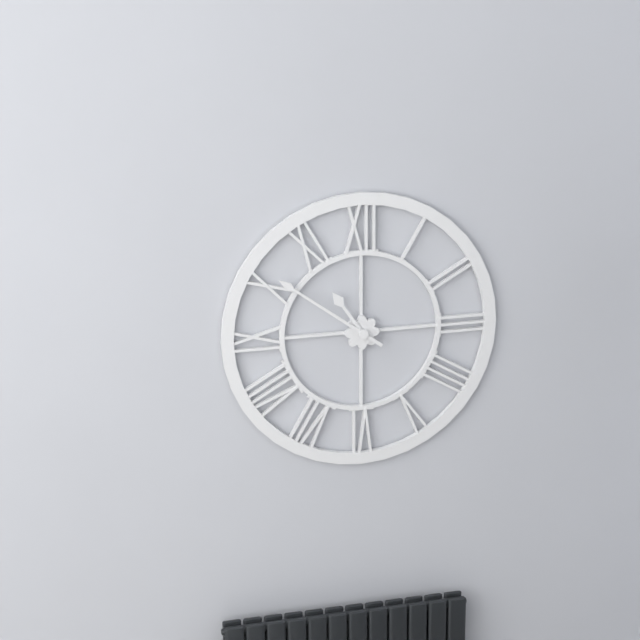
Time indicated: 10,51
